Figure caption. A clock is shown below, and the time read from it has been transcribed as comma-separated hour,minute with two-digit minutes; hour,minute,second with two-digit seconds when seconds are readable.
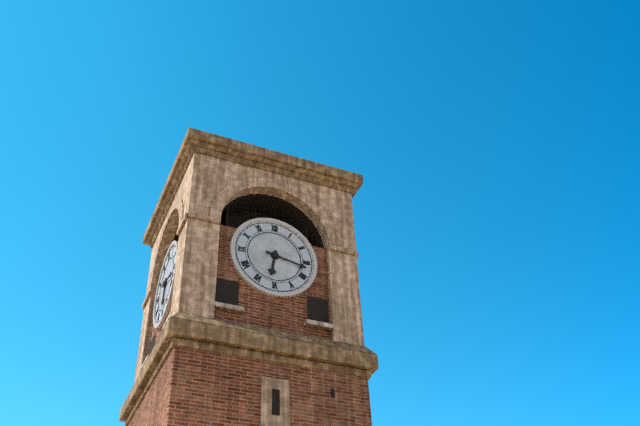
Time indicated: 6,17
